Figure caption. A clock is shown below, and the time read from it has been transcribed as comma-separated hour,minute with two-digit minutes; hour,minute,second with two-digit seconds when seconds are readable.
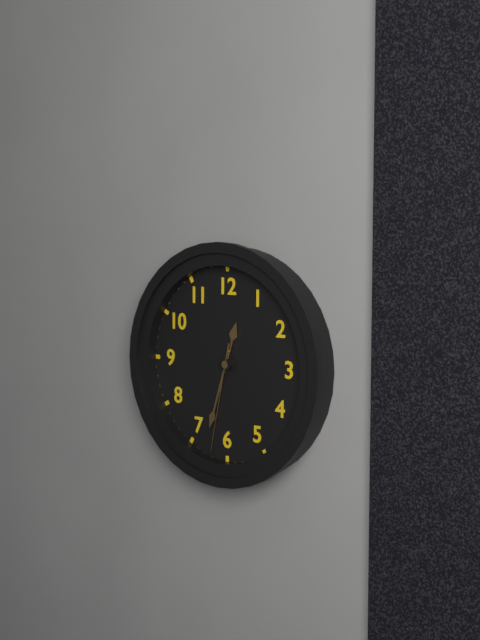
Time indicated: 12,33,32
